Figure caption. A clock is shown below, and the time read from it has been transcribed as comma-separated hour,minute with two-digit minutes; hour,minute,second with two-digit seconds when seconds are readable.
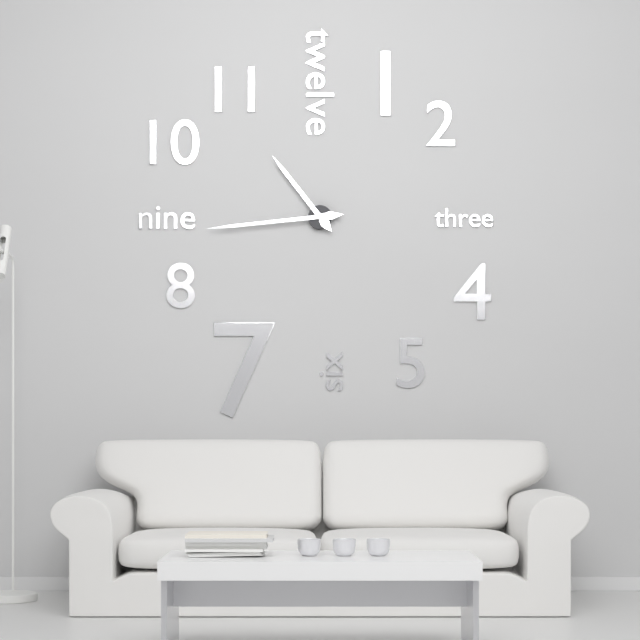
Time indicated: 10,44
